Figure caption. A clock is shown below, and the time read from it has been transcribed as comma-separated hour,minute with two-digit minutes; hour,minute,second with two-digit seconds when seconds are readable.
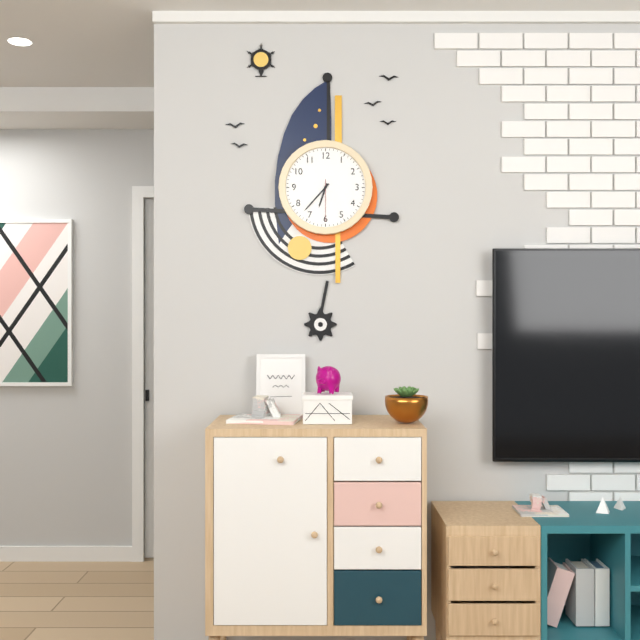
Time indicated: 6,37
